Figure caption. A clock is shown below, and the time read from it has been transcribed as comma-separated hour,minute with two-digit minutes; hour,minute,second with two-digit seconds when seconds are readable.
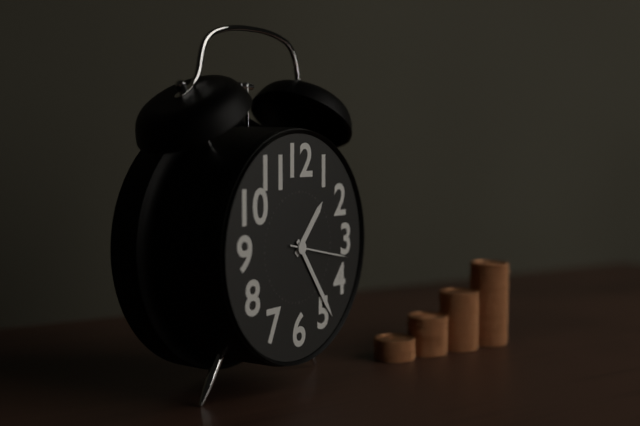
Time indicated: 1,24,17
